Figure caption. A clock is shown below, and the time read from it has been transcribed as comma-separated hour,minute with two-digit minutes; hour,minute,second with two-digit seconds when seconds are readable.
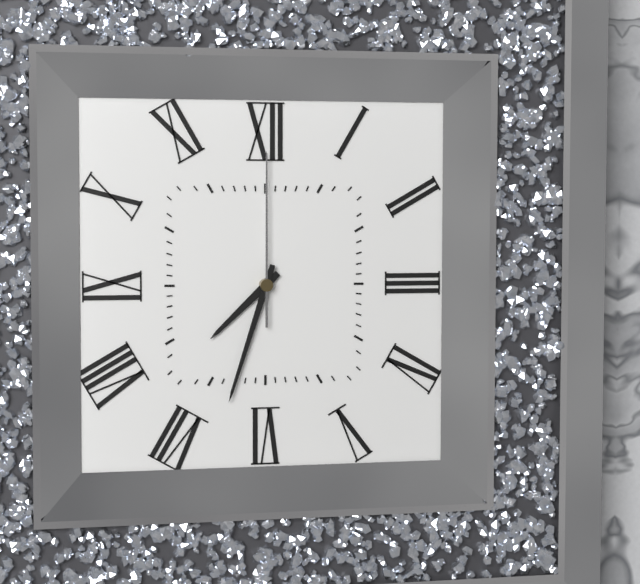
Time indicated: 7,33,00
